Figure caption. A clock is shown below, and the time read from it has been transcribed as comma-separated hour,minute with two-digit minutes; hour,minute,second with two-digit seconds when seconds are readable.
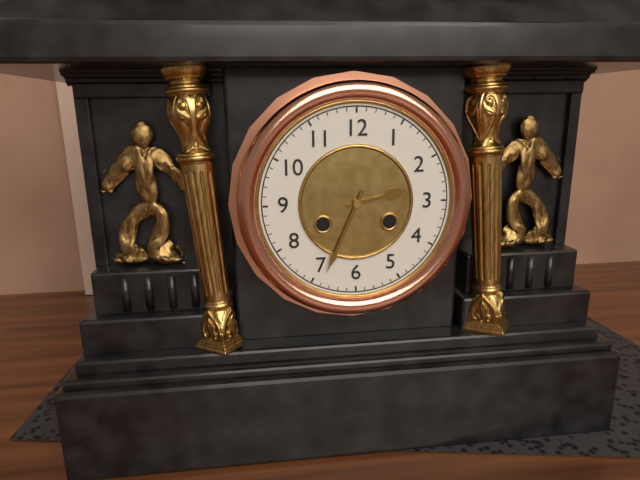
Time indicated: 2,34
